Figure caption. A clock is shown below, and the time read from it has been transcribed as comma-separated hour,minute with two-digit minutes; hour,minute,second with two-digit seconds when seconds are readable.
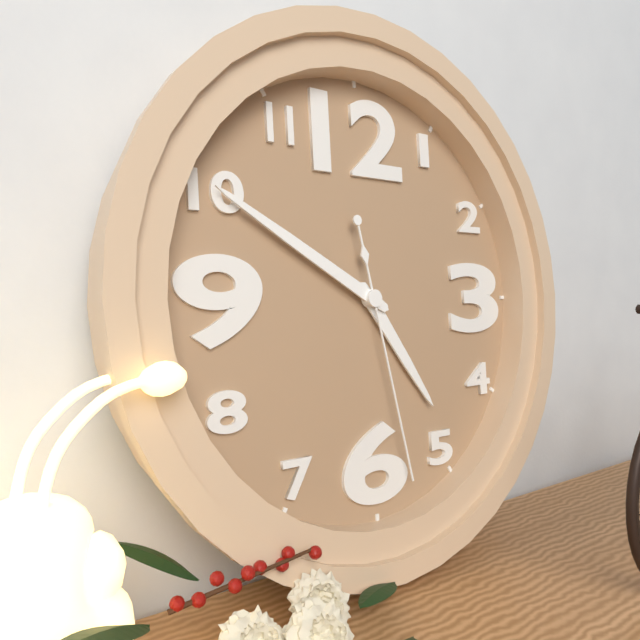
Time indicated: 4,50,28
